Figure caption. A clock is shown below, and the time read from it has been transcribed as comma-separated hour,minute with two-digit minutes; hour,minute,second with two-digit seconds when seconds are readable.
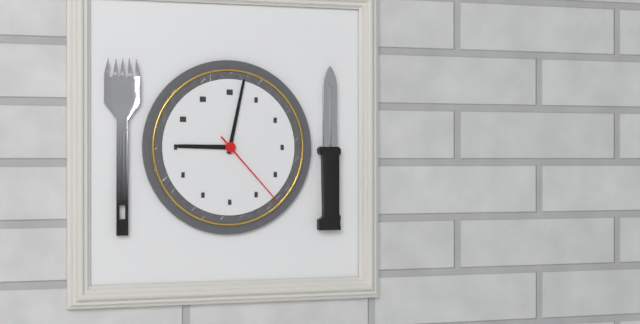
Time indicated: 9,02,23
